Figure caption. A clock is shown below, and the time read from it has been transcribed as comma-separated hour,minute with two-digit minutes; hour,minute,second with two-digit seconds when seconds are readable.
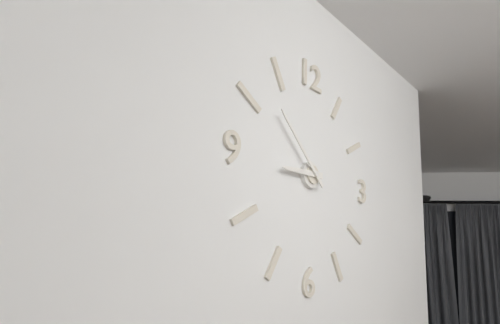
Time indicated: 8,52
